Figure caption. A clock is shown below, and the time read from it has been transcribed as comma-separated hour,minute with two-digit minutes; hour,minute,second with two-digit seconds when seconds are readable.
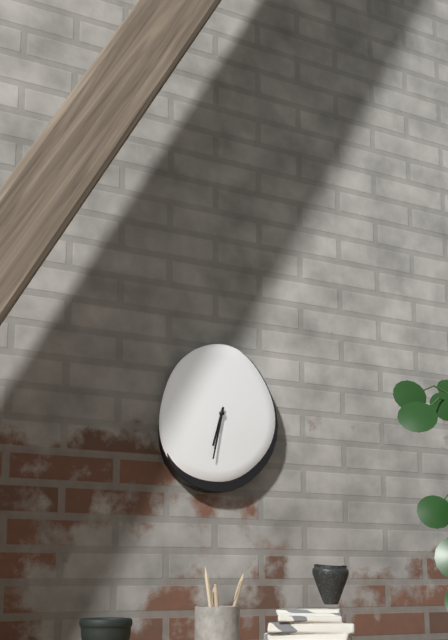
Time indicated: 6,32
